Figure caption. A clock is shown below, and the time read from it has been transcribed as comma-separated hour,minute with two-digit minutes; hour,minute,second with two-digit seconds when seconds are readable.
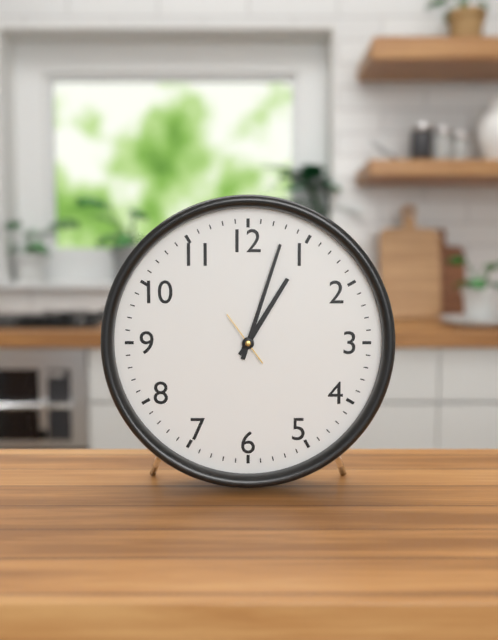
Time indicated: 1,03
